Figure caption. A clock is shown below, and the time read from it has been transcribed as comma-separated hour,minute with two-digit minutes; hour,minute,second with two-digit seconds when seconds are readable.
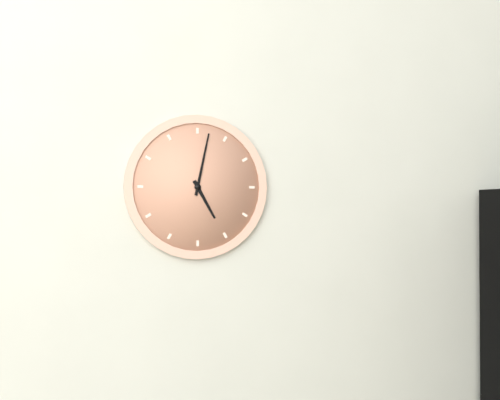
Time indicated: 5,02
